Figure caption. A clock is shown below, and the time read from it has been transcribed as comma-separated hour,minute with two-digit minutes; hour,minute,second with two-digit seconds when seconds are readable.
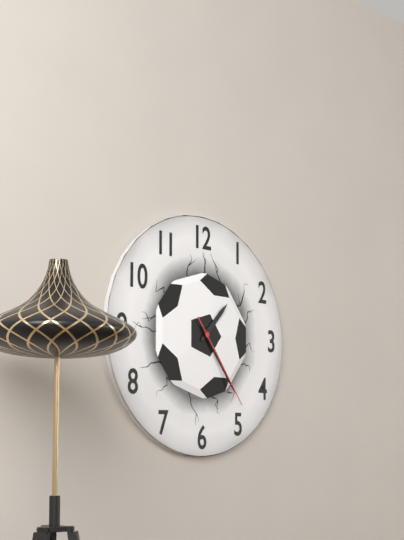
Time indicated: 1,24,24
